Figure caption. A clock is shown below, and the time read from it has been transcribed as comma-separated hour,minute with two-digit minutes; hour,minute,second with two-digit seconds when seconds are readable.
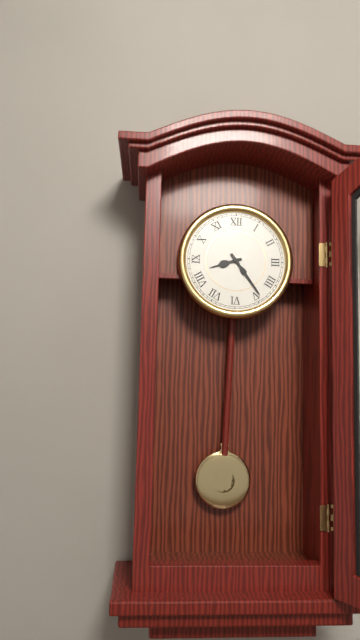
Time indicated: 8,24
